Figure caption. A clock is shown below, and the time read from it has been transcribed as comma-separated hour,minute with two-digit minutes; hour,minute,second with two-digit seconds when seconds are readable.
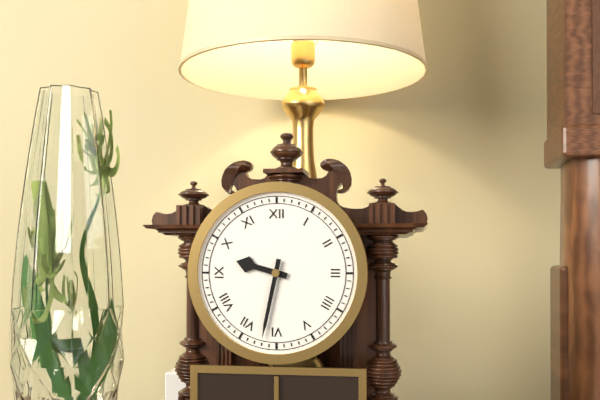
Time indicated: 9,32
